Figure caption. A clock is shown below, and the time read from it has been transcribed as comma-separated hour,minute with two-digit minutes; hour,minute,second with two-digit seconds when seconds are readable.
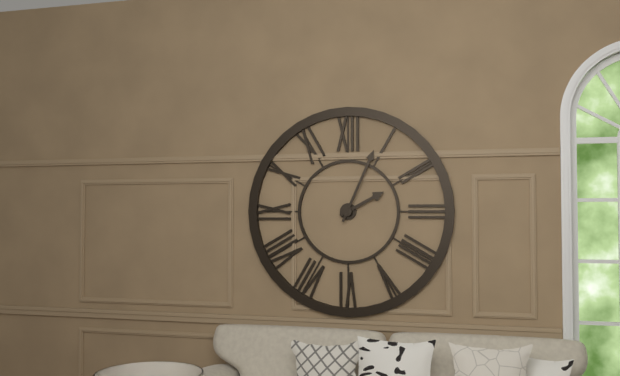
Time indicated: 2,04
